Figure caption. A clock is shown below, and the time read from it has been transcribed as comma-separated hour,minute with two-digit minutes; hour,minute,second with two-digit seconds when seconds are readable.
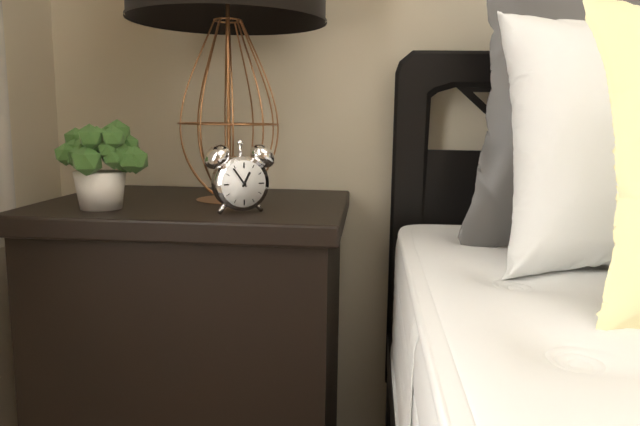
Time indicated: 12,54
